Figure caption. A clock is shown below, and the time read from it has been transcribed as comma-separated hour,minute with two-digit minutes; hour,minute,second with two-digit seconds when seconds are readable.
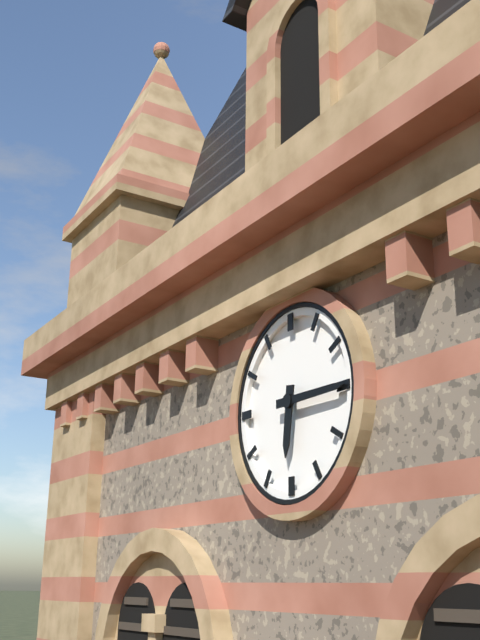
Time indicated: 6,15
